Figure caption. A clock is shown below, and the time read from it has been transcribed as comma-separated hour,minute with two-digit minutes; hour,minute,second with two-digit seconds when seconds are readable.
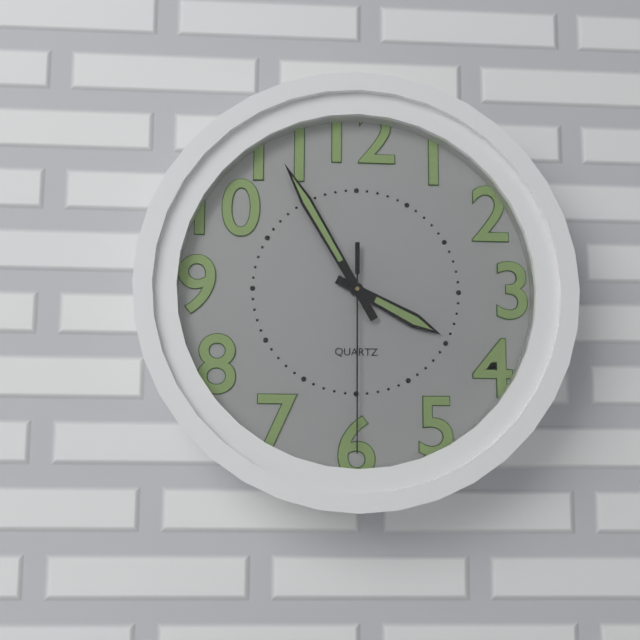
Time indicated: 3,55,30
